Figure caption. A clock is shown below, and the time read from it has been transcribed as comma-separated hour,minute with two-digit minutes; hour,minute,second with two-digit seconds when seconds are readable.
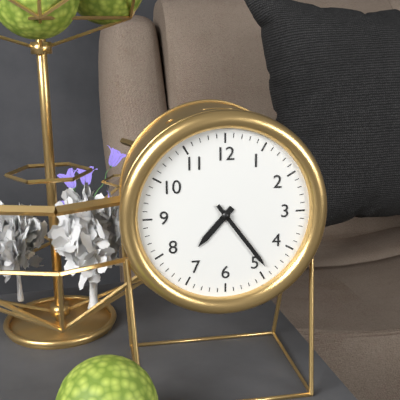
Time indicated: 7,24
